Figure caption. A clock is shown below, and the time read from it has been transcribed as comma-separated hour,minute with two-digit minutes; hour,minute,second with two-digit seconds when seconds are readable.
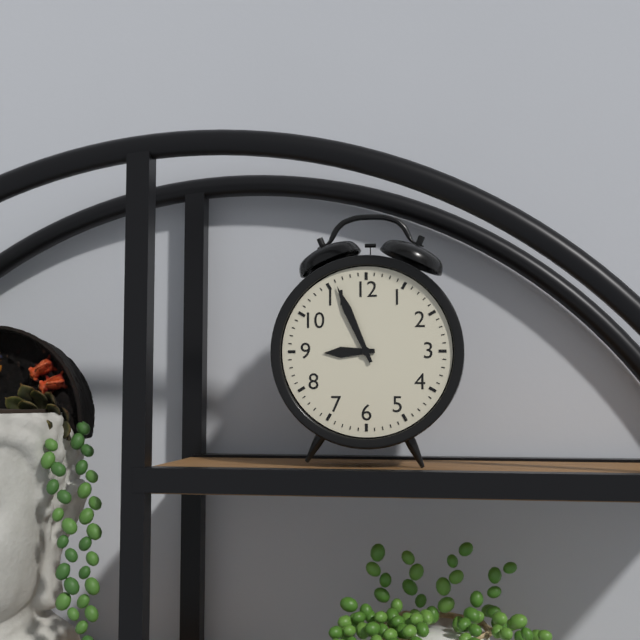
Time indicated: 8,56
